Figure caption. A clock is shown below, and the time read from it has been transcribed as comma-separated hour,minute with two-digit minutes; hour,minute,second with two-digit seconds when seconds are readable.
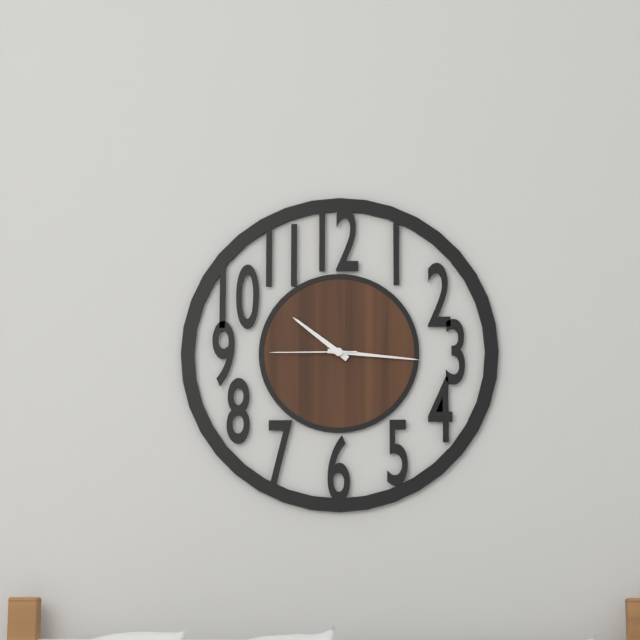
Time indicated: 10,16,45
